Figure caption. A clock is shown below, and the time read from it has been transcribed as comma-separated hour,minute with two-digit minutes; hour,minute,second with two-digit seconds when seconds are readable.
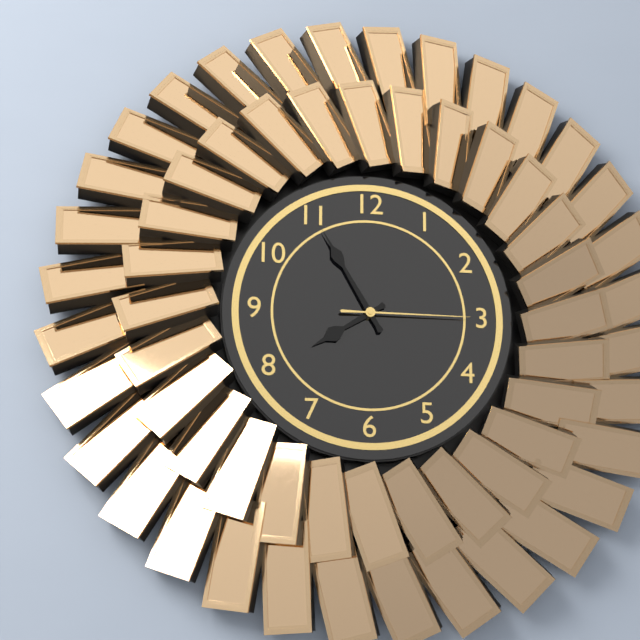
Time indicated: 7,55,15
